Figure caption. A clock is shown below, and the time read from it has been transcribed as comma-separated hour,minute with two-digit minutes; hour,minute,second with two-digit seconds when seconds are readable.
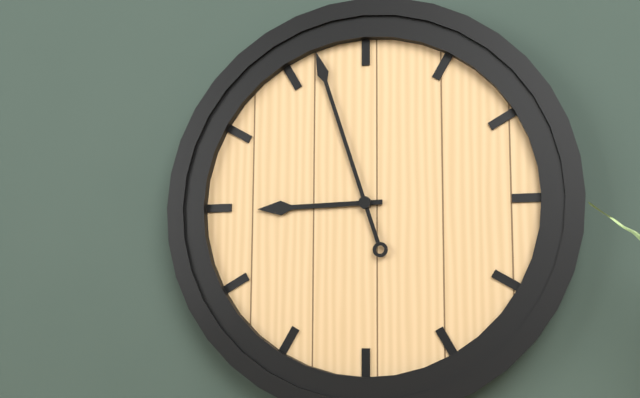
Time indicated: 8,57
